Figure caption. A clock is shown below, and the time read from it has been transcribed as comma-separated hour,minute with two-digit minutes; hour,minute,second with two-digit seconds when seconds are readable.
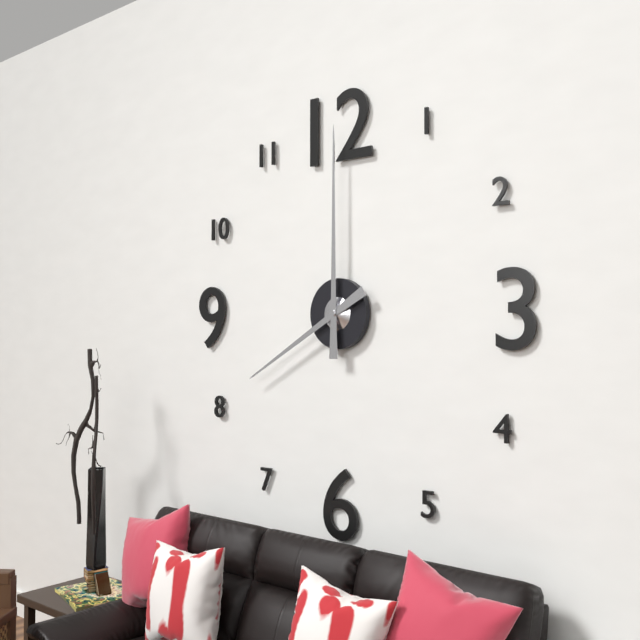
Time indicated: 8,00
